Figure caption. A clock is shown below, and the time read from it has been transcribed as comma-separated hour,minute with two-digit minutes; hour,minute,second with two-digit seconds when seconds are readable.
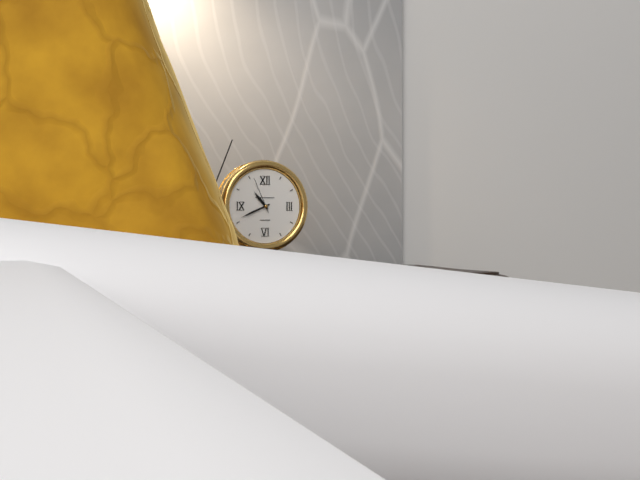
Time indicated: 10,41
